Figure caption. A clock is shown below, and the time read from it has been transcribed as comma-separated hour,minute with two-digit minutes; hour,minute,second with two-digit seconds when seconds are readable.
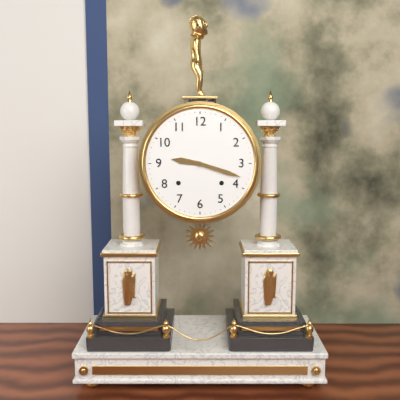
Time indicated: 9,18
